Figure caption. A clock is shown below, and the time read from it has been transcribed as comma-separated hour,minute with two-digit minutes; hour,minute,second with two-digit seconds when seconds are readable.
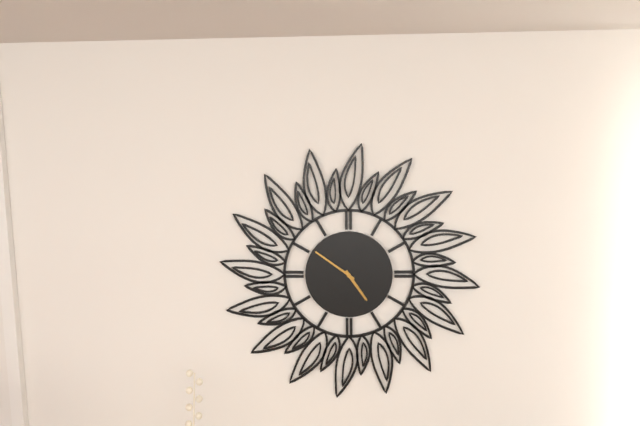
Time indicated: 4,51
